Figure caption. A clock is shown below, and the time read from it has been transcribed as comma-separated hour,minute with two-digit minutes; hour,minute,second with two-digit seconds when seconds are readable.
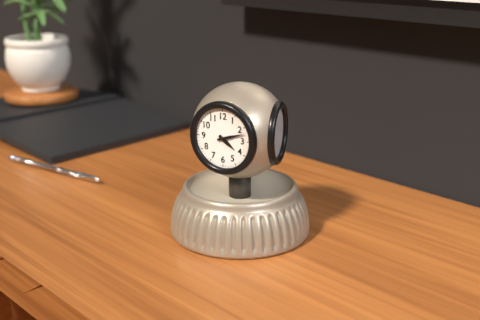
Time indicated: 4,12
